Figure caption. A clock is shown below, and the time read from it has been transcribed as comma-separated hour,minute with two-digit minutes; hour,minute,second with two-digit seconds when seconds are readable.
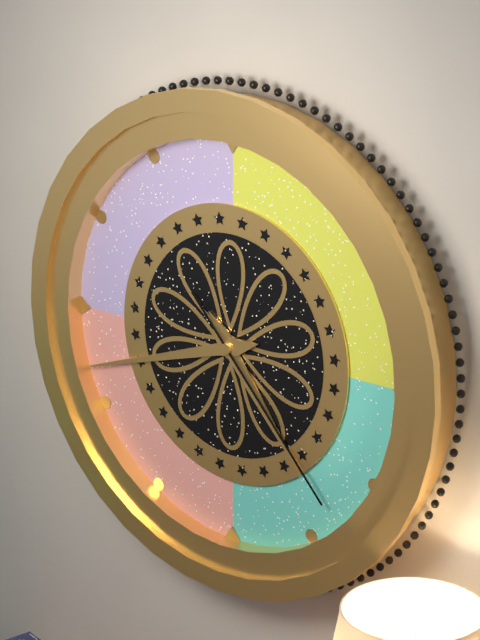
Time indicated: 4,42,23
